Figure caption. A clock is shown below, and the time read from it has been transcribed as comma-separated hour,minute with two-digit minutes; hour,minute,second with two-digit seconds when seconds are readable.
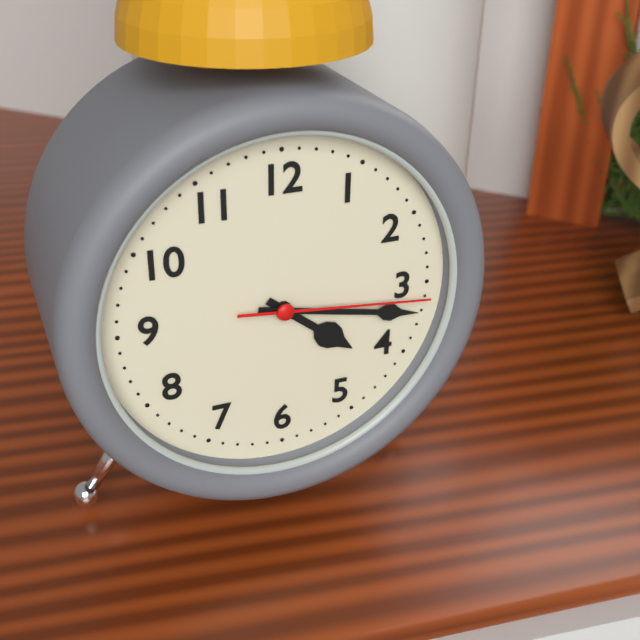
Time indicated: 4,17,16
